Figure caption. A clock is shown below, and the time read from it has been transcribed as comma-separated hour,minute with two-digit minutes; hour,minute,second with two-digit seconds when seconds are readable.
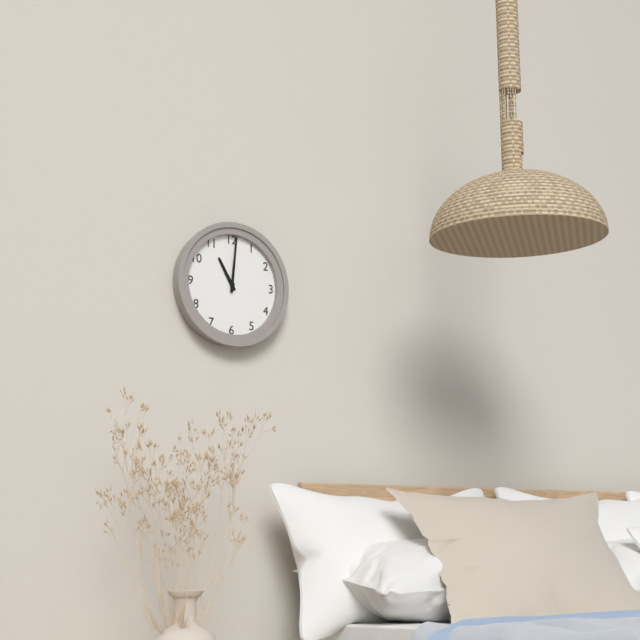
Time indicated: 11,01
